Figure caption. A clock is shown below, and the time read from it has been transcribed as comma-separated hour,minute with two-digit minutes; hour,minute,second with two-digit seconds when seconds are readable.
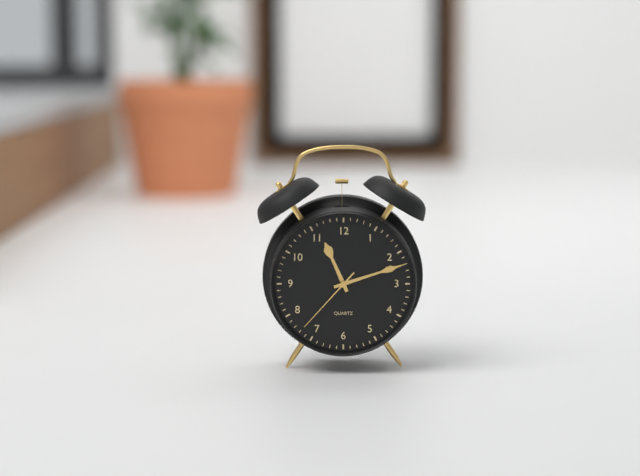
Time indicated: 11,12,37
